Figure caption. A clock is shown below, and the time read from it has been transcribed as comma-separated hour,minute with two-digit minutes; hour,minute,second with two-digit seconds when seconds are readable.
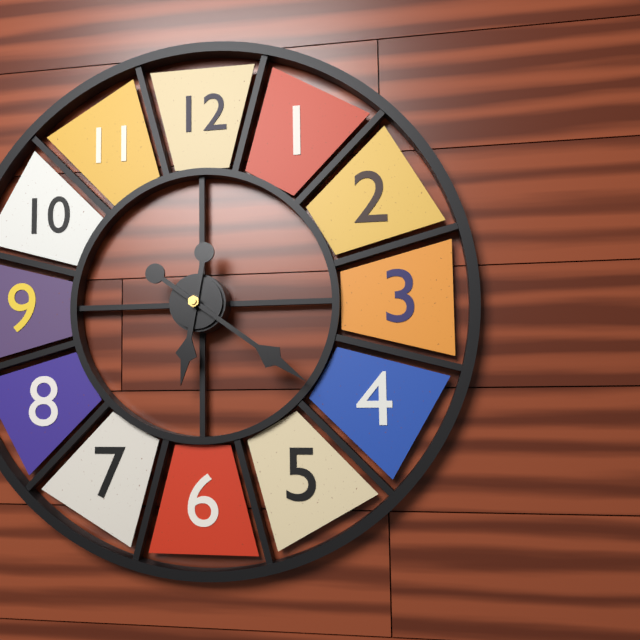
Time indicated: 6,21
